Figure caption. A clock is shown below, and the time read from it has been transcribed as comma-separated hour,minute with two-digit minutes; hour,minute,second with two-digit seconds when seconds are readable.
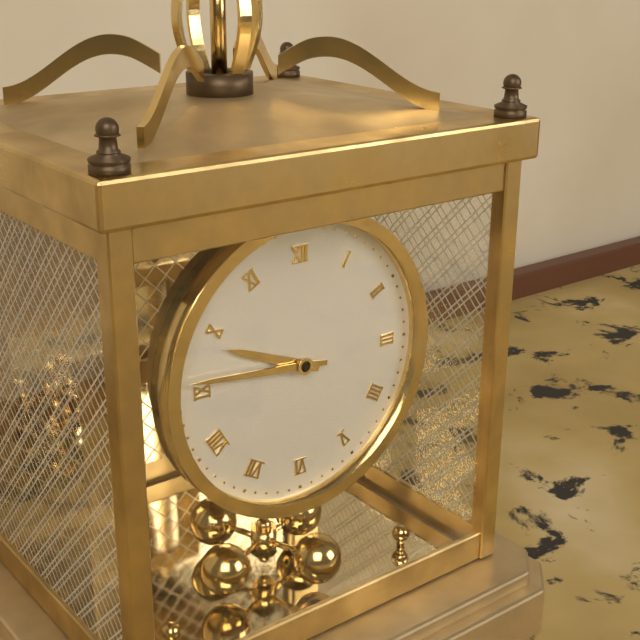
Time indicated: 9,46
